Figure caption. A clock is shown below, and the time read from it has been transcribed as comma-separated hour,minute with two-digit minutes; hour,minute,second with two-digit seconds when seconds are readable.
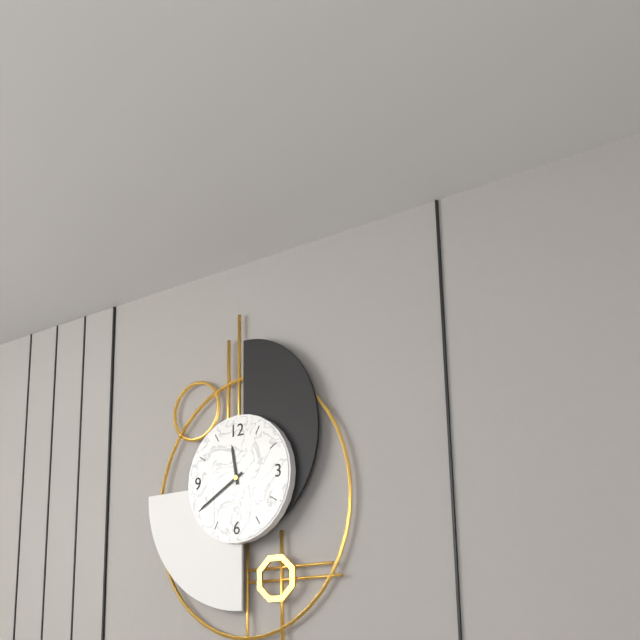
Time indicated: 11,40
